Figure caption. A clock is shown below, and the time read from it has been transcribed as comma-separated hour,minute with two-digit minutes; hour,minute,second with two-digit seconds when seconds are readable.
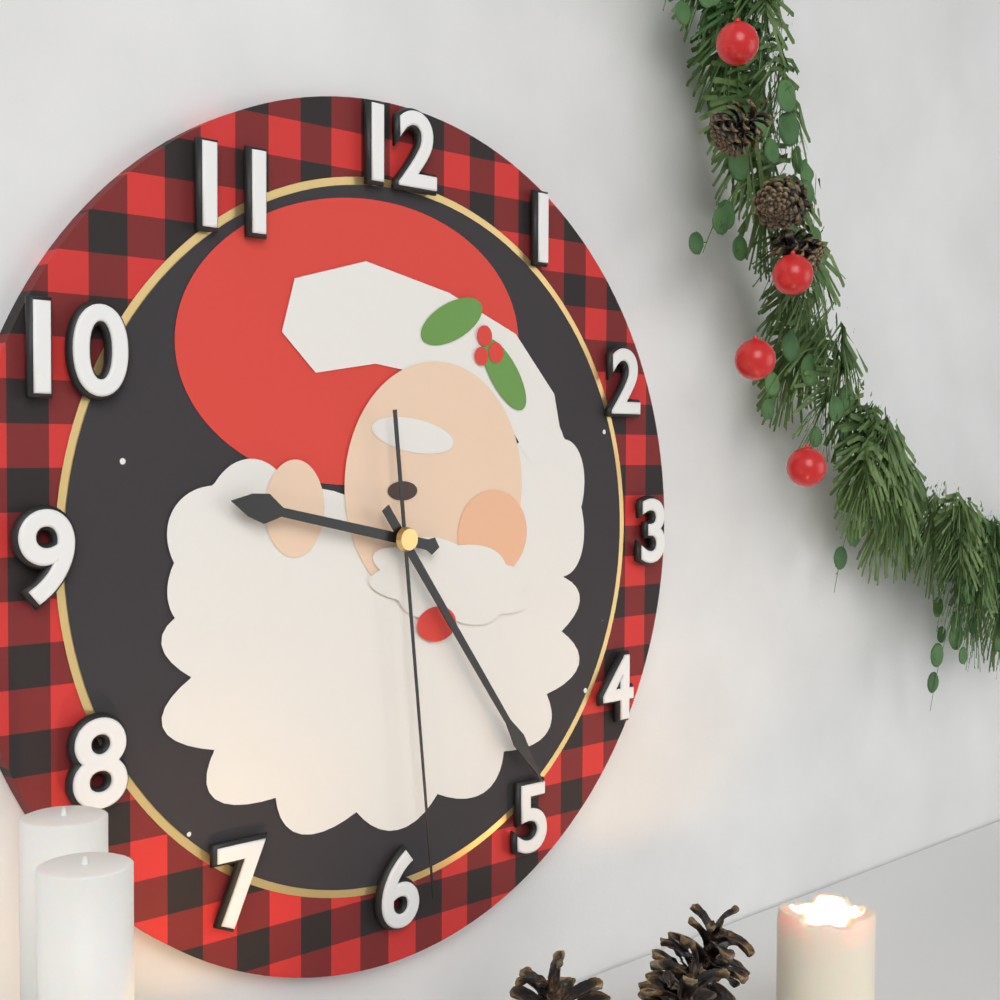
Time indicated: 9,24,29
